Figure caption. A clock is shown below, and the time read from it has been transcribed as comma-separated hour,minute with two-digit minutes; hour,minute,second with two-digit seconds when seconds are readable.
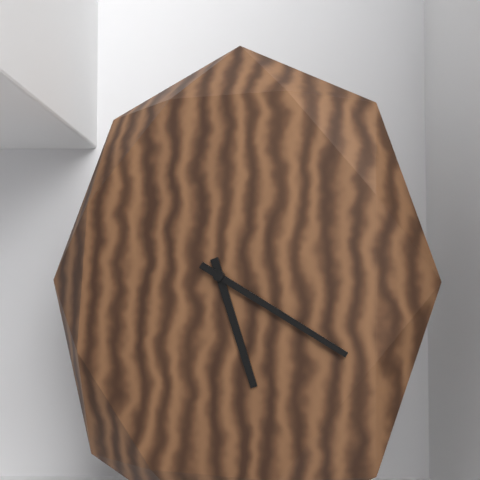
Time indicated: 5,20
